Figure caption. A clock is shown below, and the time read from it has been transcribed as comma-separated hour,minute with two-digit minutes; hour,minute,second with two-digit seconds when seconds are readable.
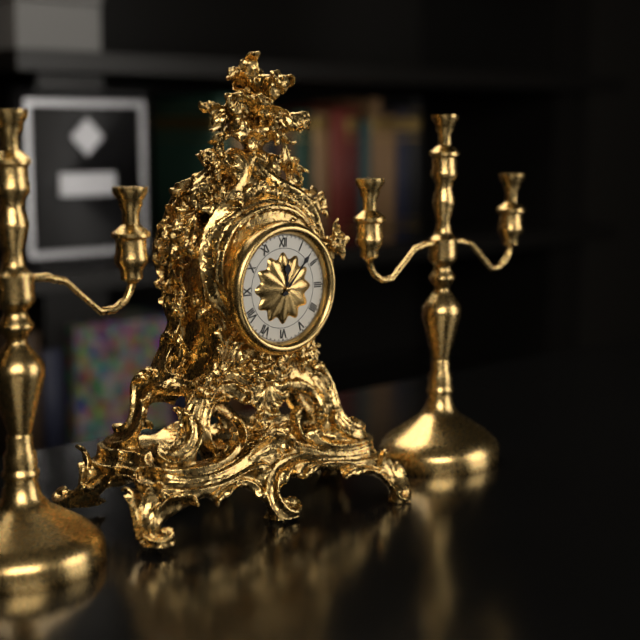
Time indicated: 12,07
